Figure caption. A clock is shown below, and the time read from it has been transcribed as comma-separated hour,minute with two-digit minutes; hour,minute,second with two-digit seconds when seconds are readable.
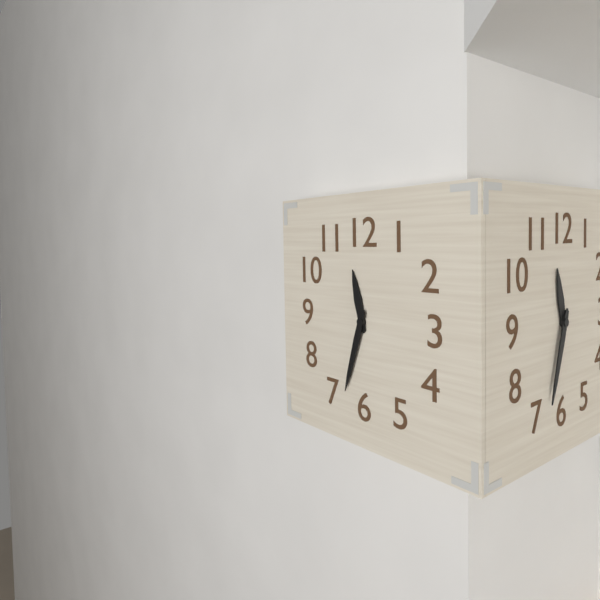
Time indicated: 11,33
